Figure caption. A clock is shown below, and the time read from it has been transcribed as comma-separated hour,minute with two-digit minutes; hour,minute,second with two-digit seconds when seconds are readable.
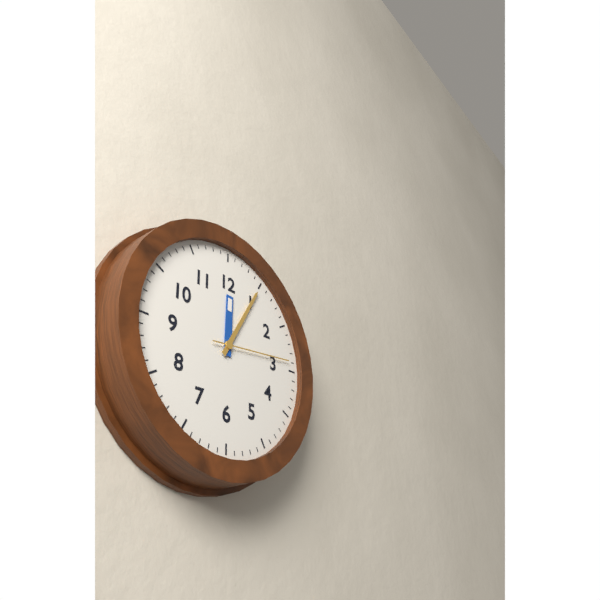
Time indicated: 12,05,14
